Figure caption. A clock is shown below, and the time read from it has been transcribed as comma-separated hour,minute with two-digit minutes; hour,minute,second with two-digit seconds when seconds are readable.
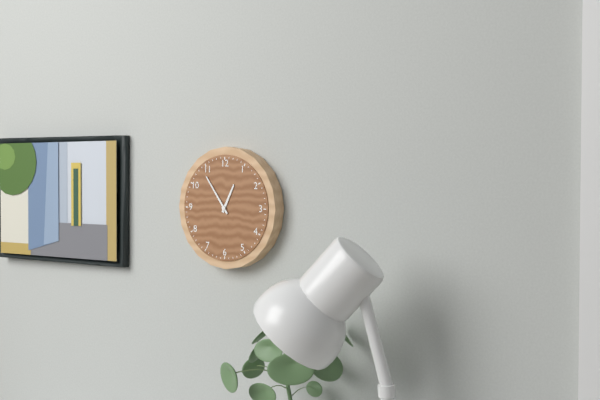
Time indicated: 12,54
